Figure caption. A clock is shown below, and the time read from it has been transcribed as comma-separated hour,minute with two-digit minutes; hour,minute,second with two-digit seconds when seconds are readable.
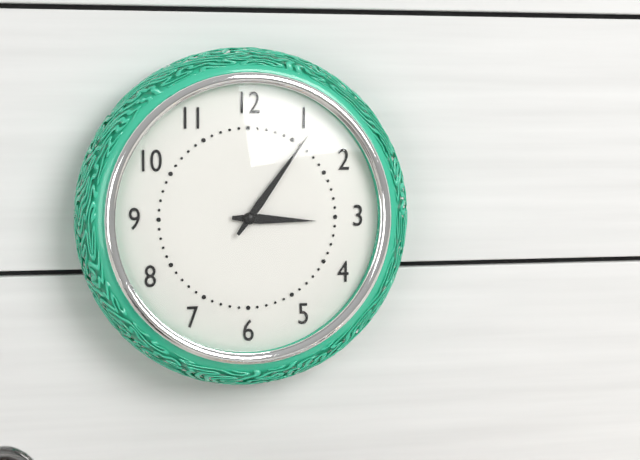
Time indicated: 3,06
